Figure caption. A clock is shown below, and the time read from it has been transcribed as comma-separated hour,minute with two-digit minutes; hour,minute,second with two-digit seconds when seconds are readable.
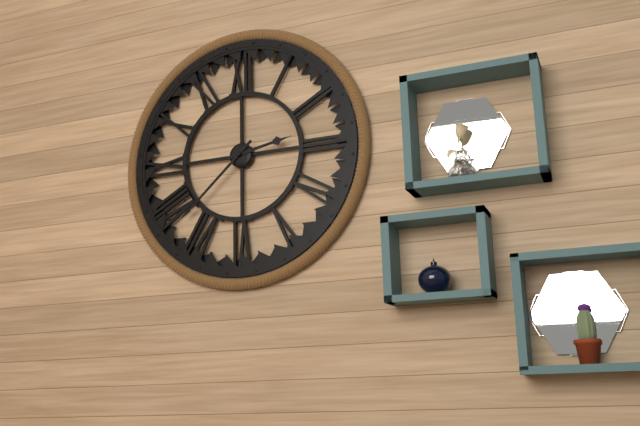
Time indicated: 2,38
